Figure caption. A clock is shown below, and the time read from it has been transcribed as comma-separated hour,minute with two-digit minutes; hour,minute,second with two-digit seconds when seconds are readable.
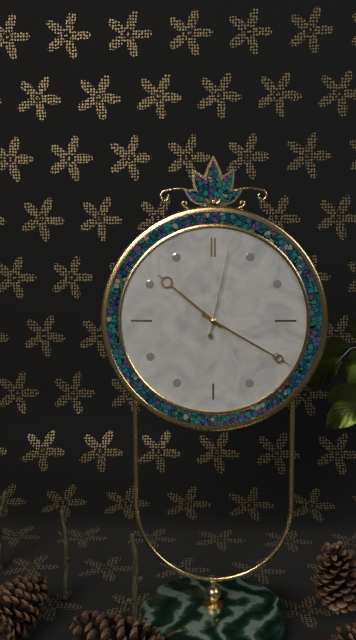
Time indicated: 10,20,02
